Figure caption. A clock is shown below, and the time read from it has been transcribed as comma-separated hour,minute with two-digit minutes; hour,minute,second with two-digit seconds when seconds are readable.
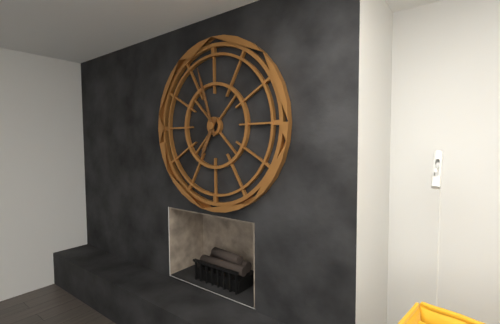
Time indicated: 6,57
